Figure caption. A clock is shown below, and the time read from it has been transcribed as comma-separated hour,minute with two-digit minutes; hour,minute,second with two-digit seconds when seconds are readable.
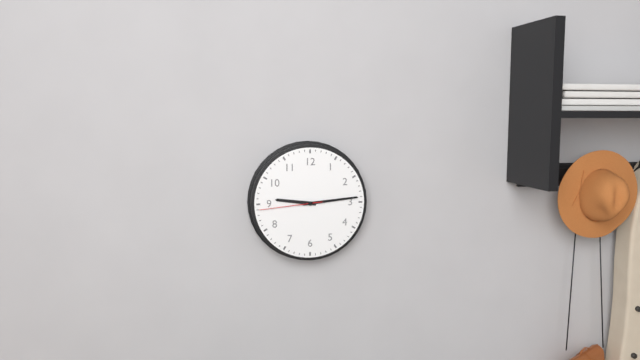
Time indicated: 9,14,44
